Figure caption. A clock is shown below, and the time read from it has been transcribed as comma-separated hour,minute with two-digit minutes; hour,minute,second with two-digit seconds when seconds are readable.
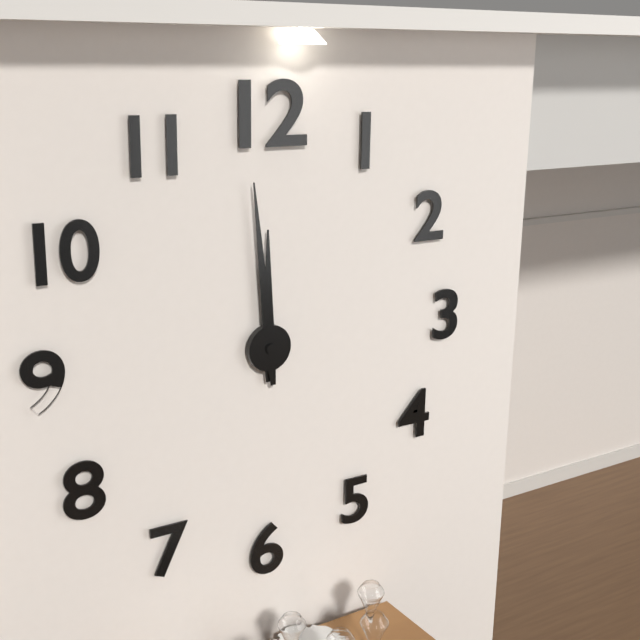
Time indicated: 11,59
